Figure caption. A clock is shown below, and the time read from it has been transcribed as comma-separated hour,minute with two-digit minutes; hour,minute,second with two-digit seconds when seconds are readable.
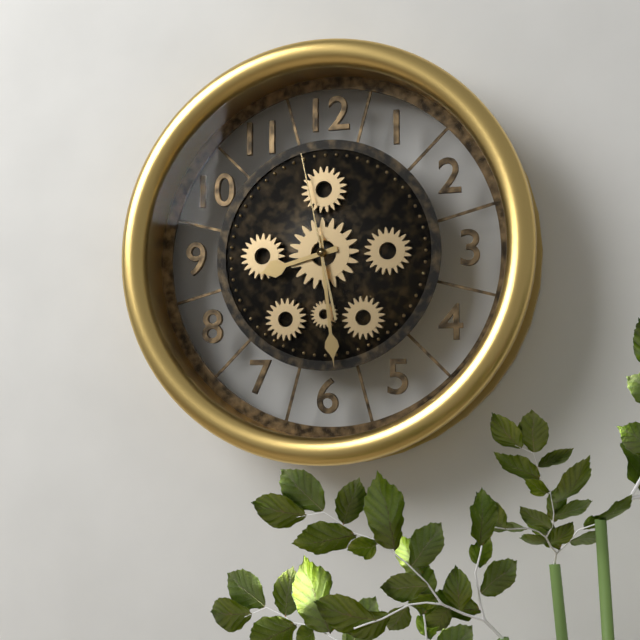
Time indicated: 8,29,58
